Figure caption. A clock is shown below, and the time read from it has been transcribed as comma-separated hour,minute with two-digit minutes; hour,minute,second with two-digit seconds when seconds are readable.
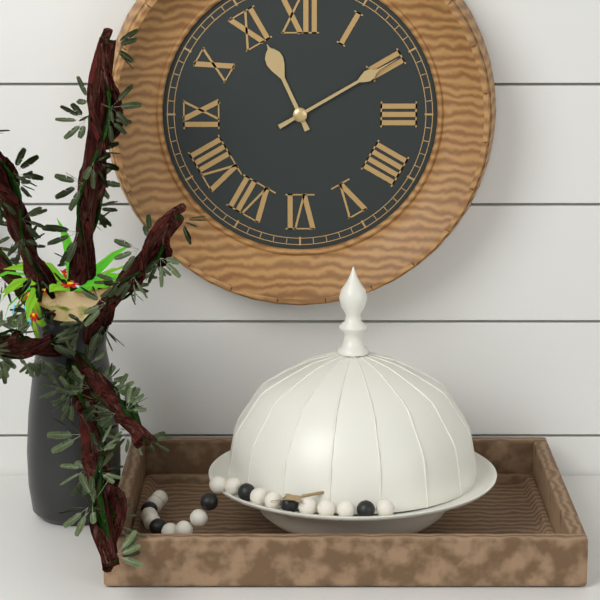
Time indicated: 11,10
